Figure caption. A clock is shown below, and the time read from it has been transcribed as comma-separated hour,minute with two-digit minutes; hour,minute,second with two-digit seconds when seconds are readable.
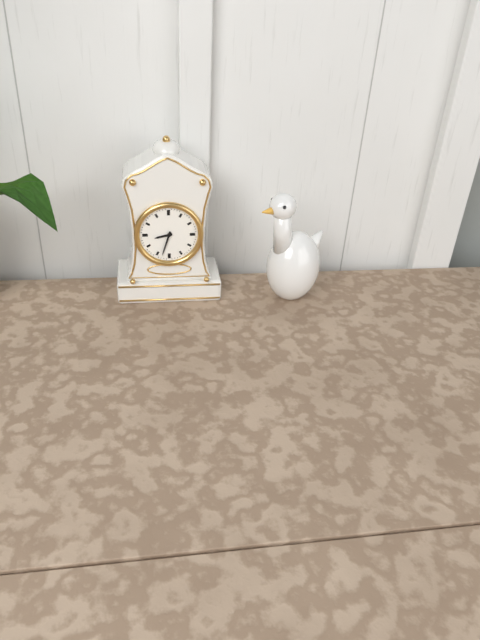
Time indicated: 8,33
